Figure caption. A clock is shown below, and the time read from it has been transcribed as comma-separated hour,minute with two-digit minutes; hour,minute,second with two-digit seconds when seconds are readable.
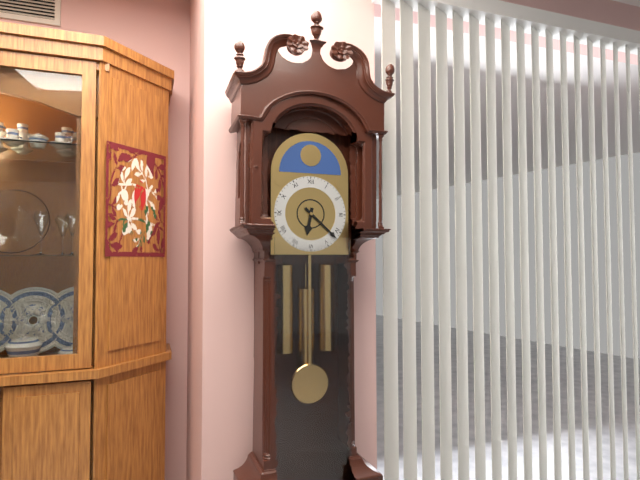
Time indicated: 6,22
